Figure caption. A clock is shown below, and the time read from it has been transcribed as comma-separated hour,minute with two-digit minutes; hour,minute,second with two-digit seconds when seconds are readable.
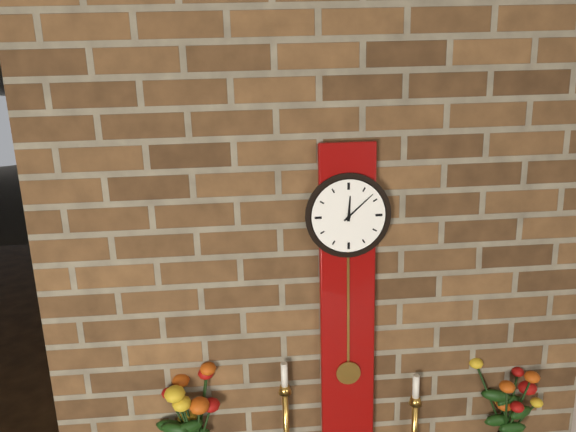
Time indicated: 12,08
